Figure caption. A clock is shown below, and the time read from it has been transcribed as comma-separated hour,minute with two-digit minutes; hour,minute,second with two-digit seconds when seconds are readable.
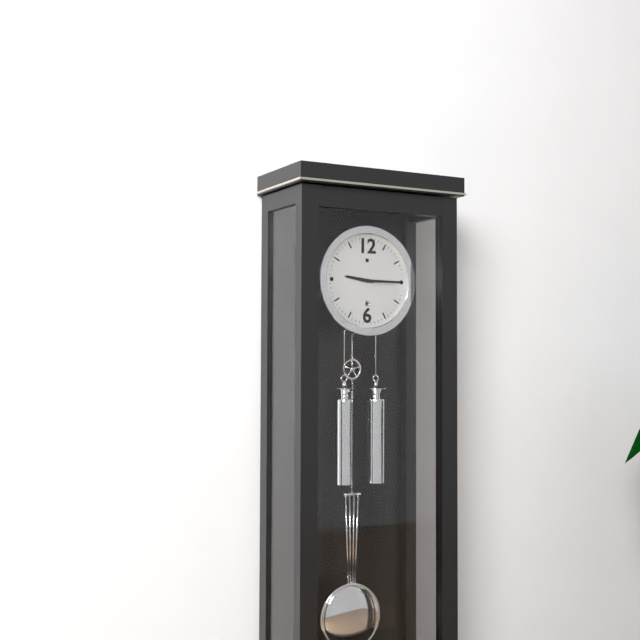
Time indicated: 9,15
